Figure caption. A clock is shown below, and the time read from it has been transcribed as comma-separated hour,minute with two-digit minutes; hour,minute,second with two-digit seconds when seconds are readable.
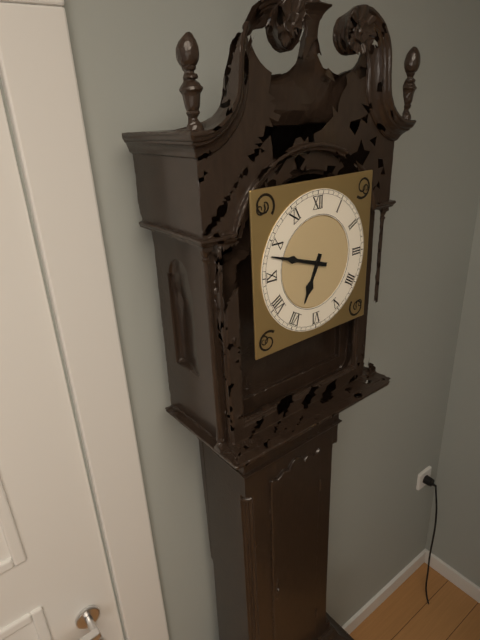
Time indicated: 6,48
